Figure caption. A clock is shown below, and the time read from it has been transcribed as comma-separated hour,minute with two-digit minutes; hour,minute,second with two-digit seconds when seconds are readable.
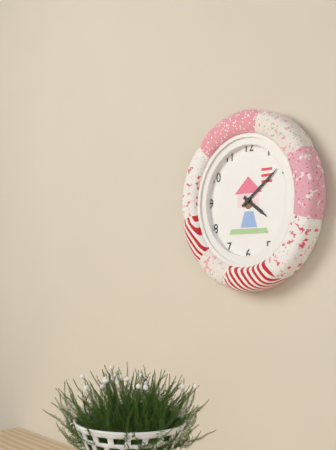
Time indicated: 4,09
